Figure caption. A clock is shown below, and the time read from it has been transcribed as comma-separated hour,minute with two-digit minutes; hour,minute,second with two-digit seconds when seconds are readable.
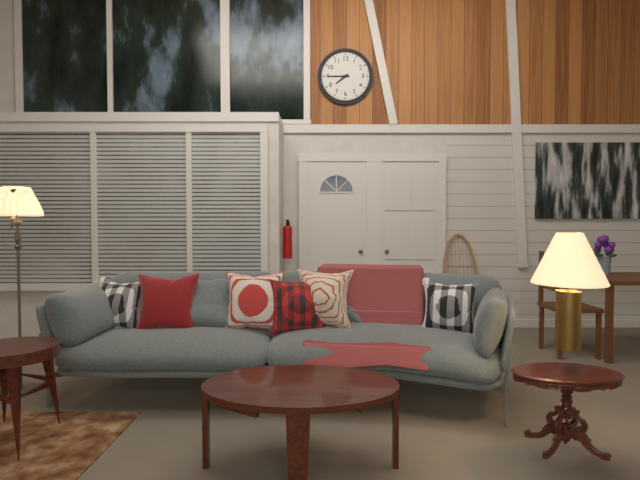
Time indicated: 7,45
